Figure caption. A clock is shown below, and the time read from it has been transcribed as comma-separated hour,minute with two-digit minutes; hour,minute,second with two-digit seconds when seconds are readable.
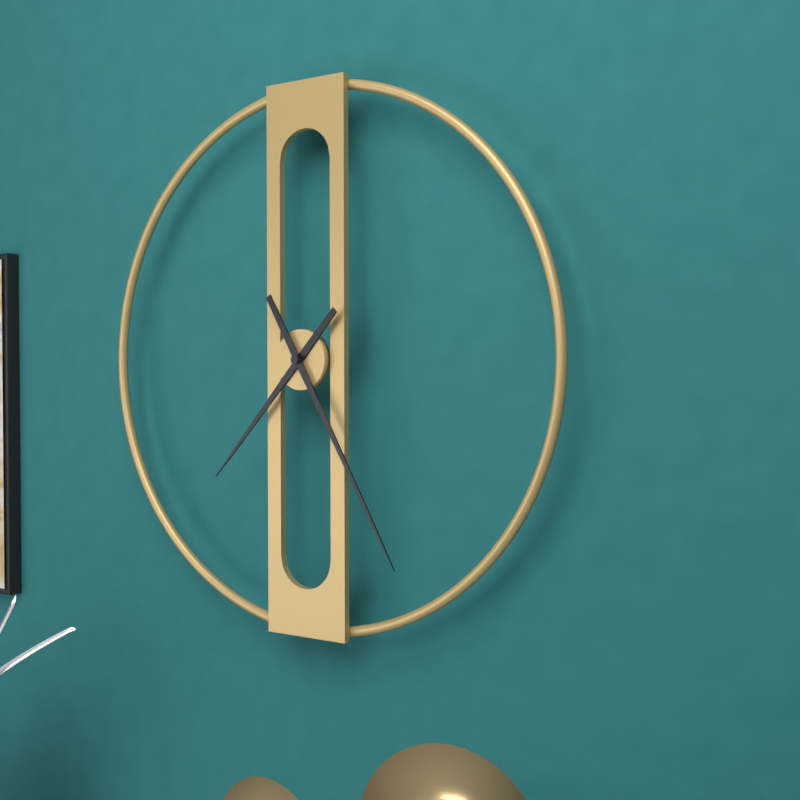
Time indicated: 7,25
